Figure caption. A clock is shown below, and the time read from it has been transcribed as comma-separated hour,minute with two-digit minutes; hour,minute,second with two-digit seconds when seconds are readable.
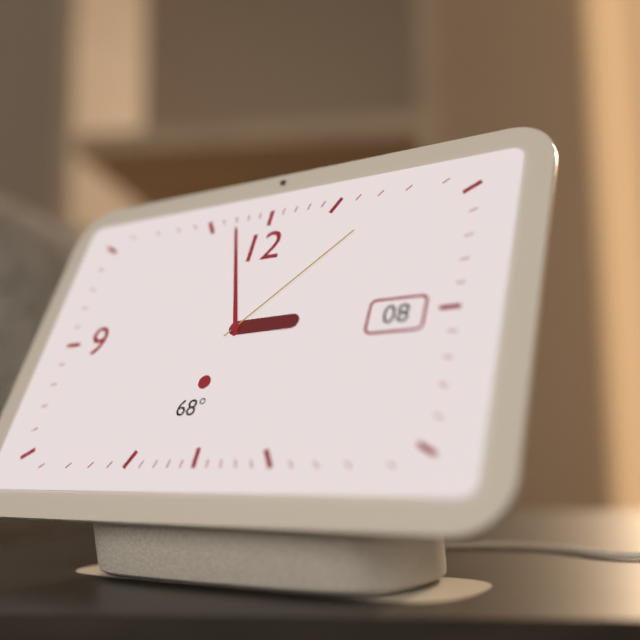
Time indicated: 2,57,08
